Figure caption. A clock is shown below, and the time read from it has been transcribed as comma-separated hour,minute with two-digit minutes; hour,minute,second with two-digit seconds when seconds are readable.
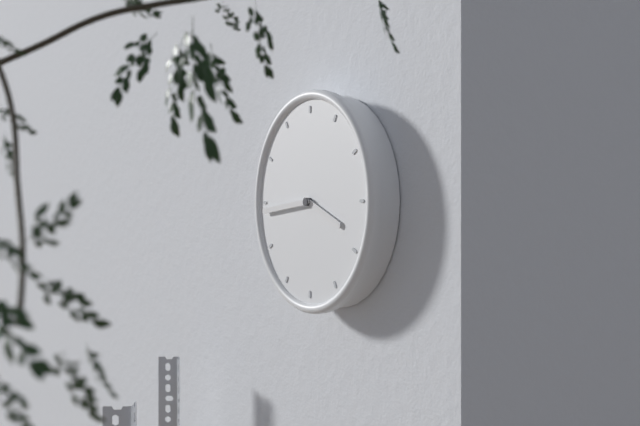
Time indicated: 3,44
